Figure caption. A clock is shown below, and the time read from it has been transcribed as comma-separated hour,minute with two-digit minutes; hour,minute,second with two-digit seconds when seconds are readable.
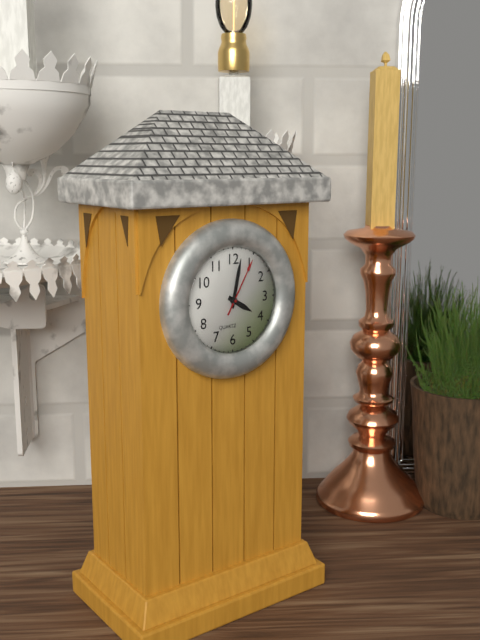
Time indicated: 4,02,05
